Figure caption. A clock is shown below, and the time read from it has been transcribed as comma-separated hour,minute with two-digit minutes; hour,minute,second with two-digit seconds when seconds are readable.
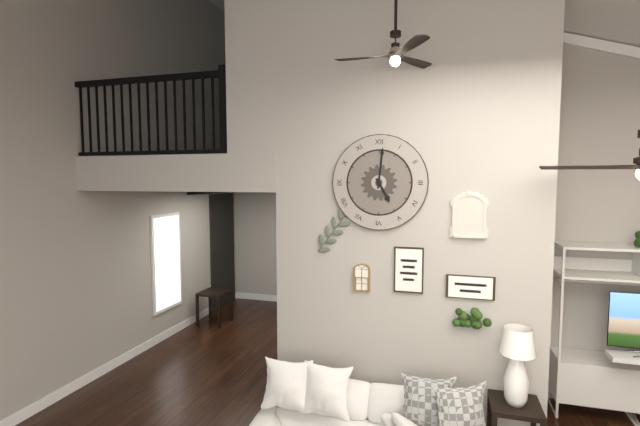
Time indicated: 5,01
